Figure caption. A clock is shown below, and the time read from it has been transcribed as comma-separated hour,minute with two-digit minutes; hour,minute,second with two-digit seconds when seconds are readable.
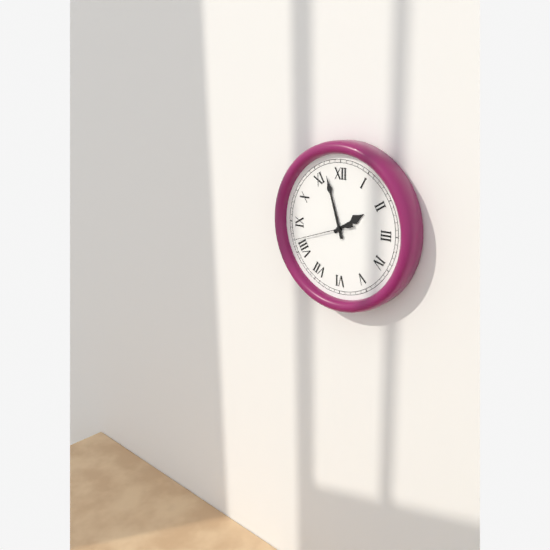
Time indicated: 1,57,42
